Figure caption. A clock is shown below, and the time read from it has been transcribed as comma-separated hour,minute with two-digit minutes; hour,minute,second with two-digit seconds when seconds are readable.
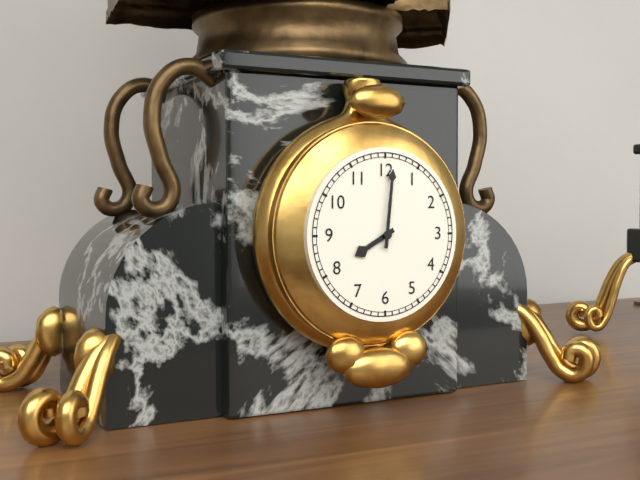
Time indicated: 8,01
